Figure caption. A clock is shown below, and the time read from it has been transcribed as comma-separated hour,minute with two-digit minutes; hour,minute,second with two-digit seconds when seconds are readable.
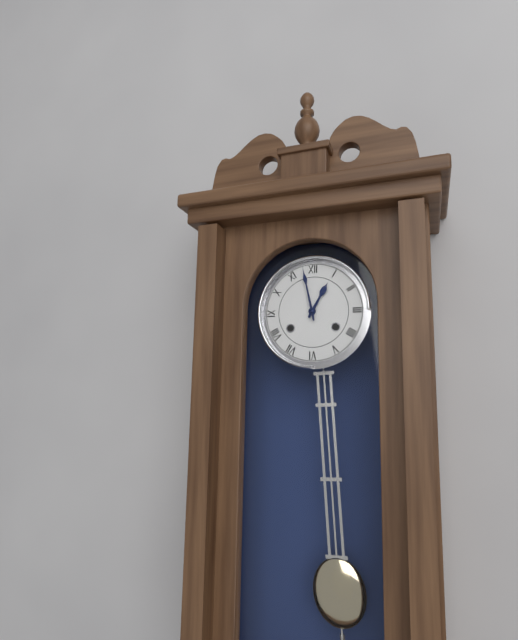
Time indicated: 12,58
